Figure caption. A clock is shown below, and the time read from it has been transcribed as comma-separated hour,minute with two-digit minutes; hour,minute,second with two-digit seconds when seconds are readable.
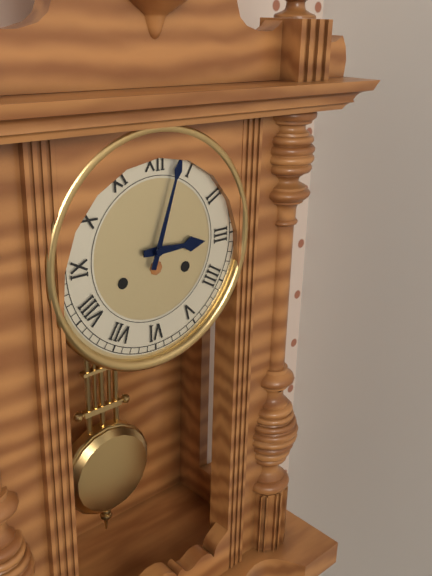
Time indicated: 3,03
